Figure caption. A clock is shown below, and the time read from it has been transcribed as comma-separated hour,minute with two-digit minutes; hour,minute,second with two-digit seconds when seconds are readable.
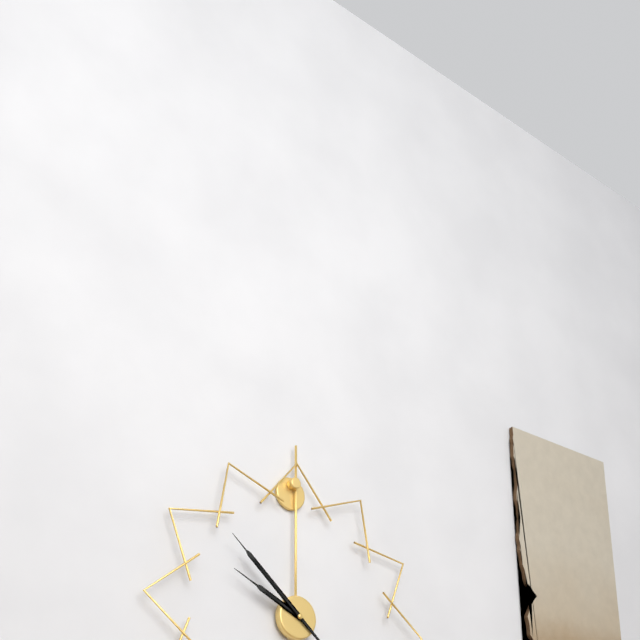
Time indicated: 9,52
